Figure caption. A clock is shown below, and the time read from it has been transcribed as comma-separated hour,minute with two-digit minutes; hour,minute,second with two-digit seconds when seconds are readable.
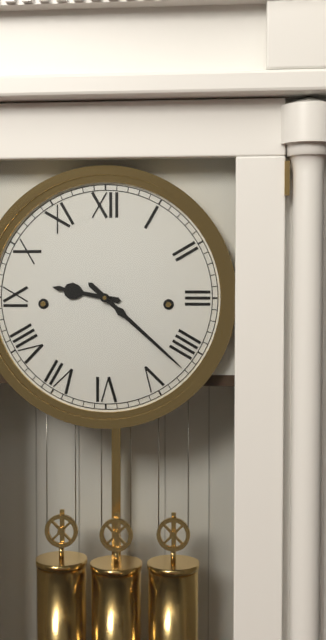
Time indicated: 9,22
